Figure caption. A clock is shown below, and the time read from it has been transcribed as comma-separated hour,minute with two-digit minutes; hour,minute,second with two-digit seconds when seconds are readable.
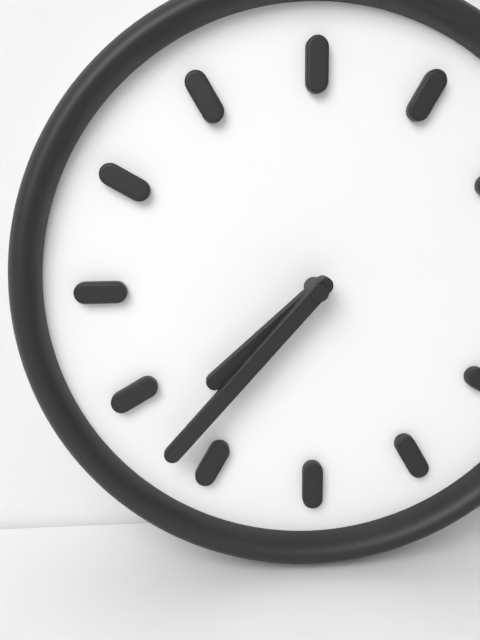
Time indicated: 7,37
